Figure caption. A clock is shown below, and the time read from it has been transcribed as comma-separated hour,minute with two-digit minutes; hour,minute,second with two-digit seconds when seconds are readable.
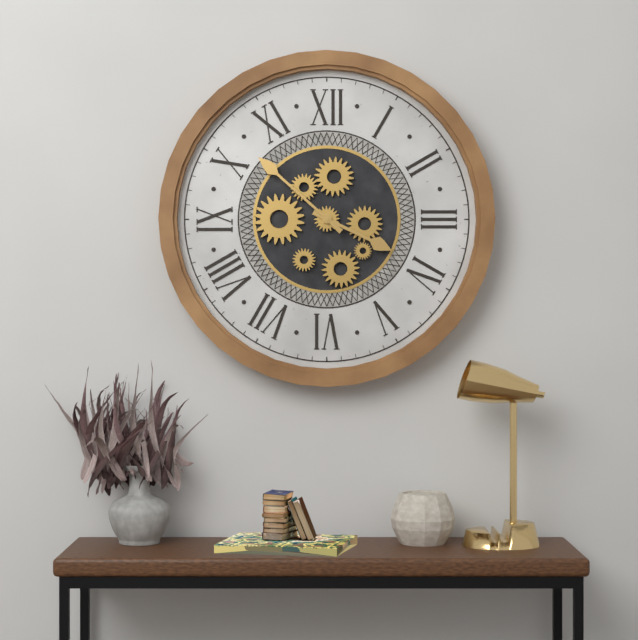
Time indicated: 3,52
